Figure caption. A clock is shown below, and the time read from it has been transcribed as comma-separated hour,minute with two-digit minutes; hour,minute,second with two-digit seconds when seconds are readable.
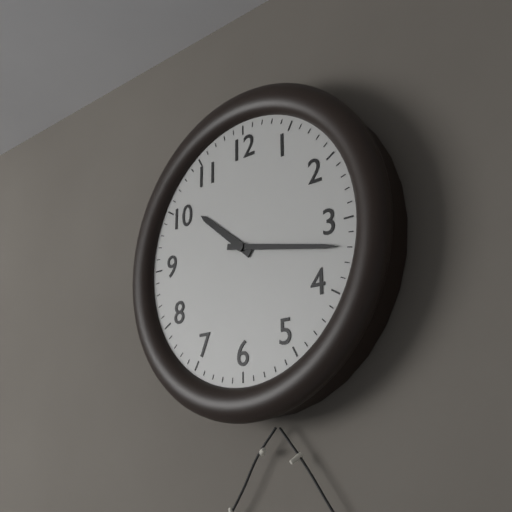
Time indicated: 10,17
